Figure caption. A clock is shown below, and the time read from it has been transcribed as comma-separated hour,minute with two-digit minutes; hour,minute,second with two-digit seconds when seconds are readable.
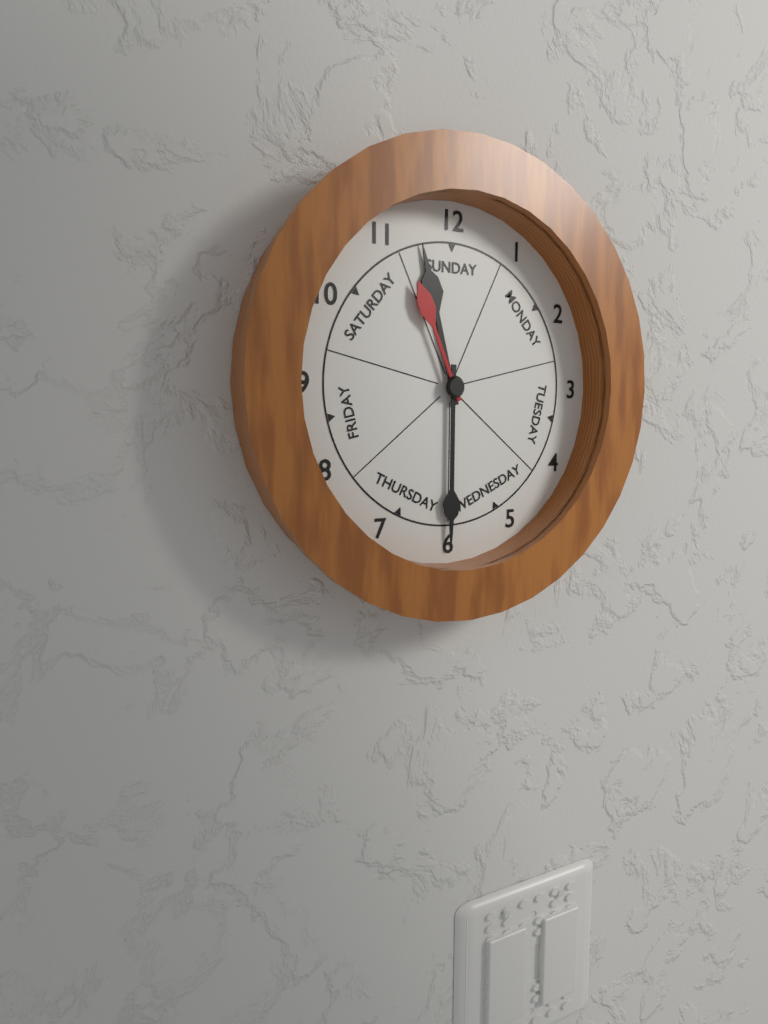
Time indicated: 11,30,56
